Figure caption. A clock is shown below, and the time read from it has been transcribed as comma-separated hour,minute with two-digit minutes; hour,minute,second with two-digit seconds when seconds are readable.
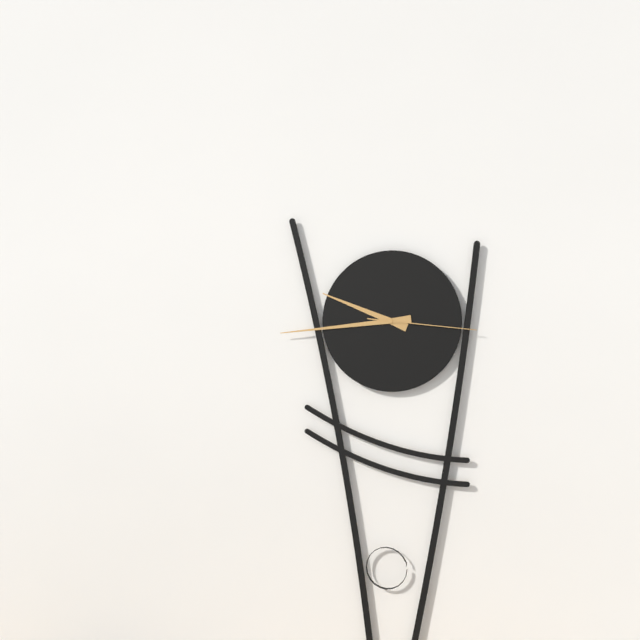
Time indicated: 9,44,16
